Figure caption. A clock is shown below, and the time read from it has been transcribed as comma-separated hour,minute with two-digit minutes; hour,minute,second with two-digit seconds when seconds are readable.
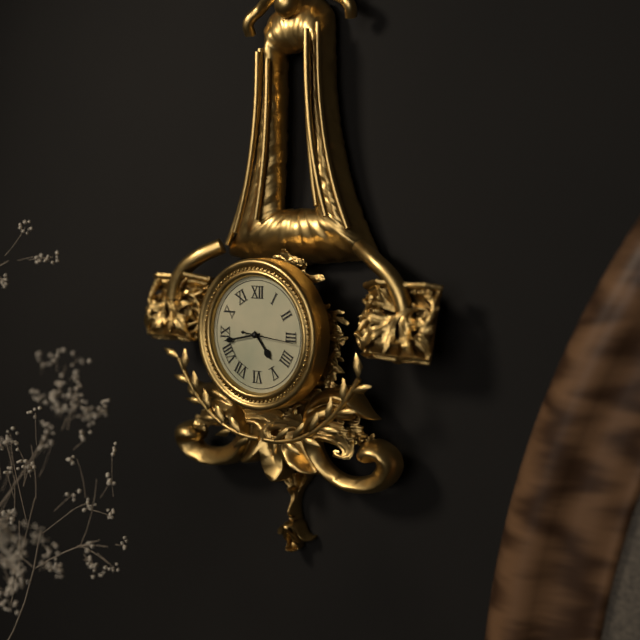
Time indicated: 4,43,16
